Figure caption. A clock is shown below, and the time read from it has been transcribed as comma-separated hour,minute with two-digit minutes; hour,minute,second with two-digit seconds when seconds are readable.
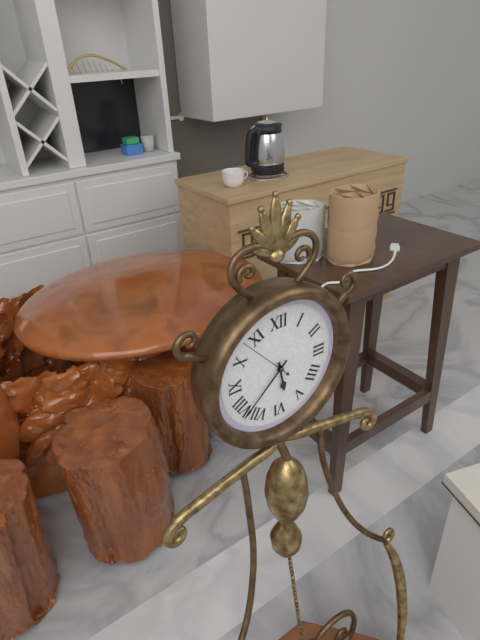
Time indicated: 5,38
